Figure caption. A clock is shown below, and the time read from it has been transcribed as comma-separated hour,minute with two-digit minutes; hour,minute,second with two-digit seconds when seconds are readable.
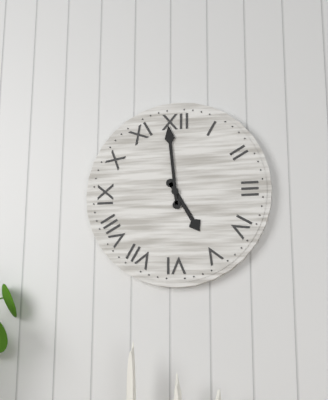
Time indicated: 4,59
